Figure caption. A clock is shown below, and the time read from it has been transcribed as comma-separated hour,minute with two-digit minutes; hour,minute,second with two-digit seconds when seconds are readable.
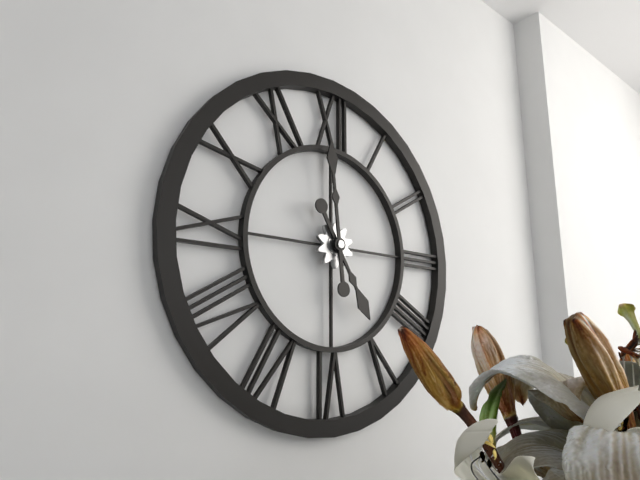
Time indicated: 4,59
